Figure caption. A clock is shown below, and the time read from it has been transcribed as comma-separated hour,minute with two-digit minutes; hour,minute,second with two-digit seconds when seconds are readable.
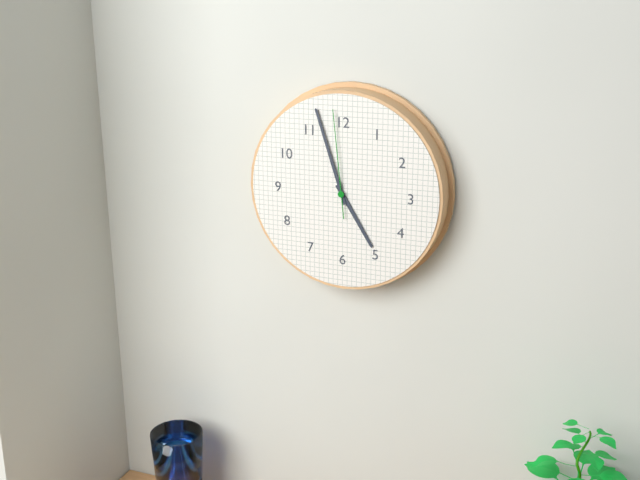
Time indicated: 4,57,59
